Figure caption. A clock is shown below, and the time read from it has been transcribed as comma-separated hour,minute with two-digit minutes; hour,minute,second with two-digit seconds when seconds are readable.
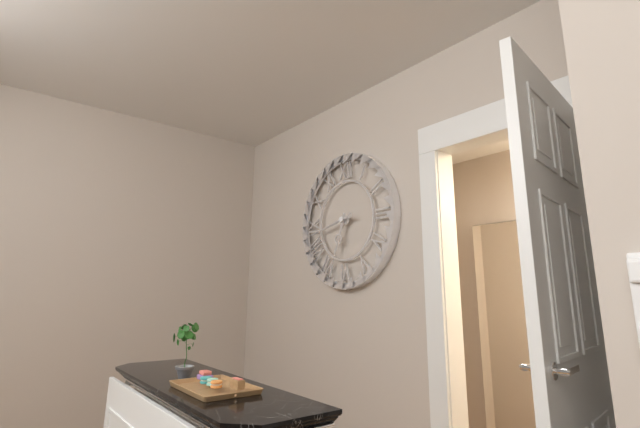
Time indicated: 6,43,43
